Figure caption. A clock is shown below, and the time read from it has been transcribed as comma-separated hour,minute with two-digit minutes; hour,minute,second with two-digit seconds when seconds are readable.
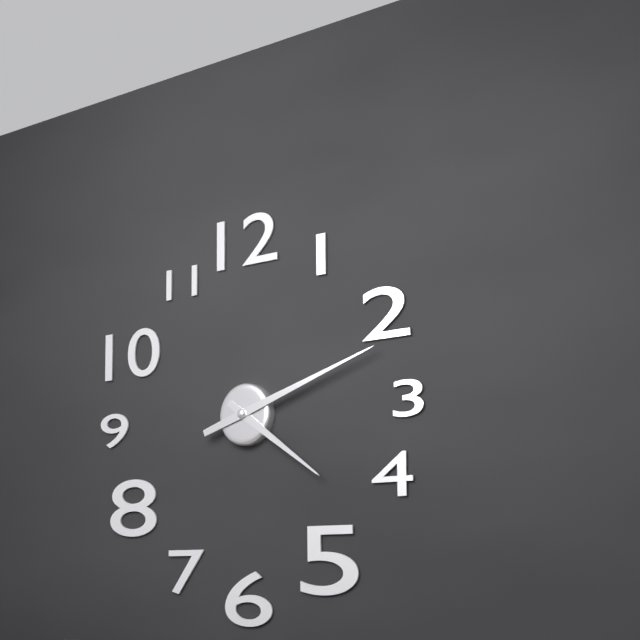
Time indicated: 4,12
